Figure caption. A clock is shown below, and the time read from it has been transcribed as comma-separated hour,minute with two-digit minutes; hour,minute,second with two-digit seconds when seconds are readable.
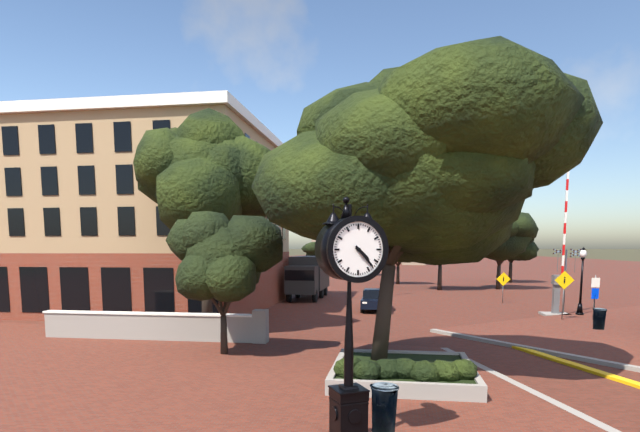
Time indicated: 4,23
